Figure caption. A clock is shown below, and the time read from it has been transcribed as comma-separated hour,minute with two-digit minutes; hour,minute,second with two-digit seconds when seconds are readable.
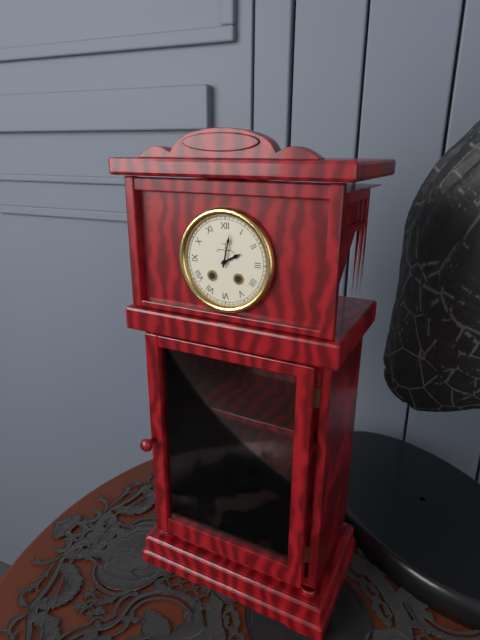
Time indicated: 2,02
